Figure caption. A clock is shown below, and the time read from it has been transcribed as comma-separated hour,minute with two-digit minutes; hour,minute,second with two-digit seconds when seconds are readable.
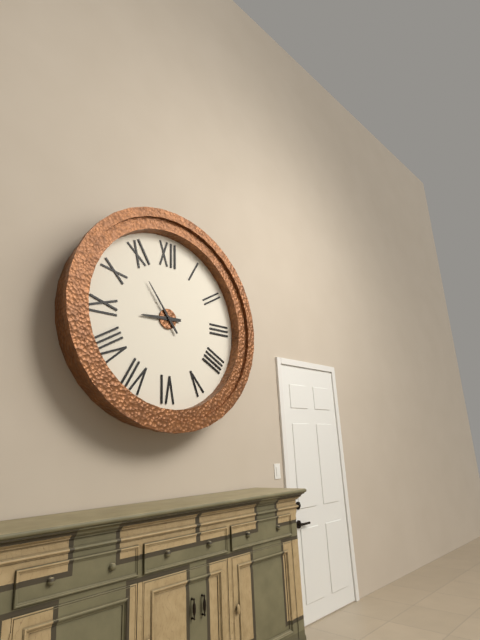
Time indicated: 8,54
